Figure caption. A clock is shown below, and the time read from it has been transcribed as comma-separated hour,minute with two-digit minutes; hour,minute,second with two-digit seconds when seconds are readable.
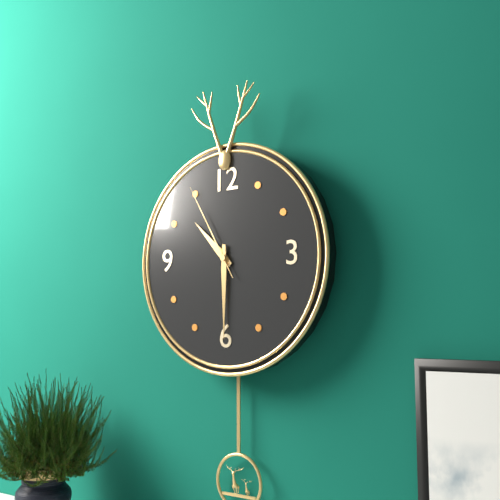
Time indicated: 10,30,55
